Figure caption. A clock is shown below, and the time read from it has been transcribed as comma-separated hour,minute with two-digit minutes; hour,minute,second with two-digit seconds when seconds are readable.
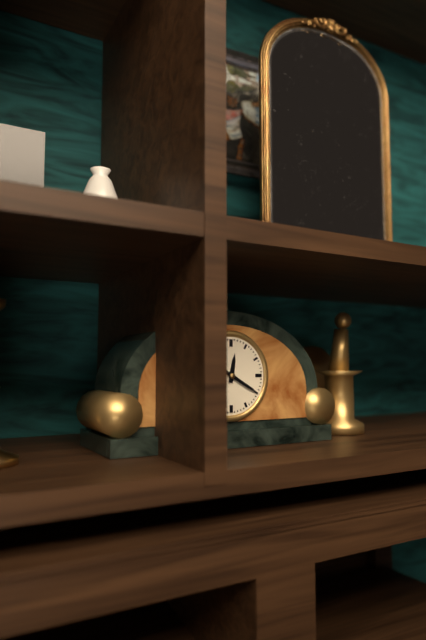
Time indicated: 12,20
